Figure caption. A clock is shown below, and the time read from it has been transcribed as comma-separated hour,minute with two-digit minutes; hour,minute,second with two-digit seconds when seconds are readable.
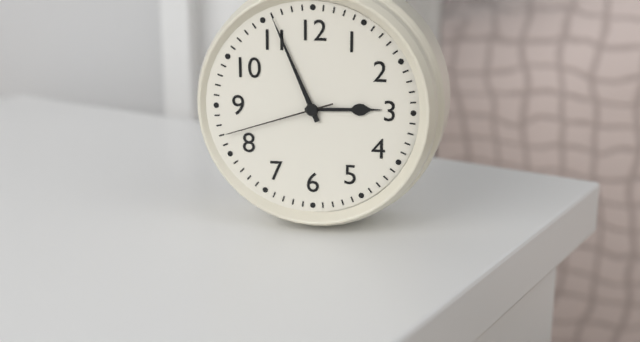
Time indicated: 2,56,42
